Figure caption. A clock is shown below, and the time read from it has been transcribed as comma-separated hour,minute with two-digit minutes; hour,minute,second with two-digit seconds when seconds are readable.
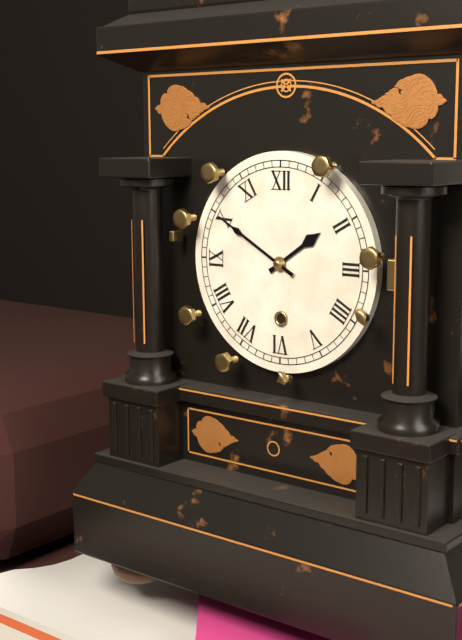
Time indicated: 1,50
